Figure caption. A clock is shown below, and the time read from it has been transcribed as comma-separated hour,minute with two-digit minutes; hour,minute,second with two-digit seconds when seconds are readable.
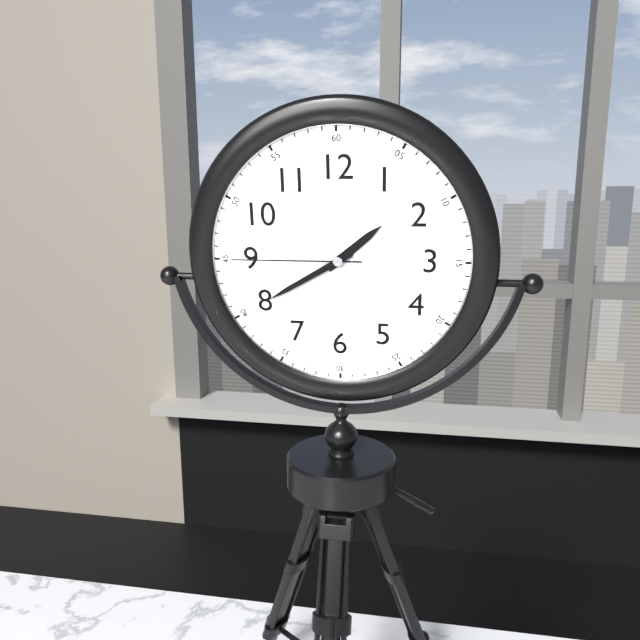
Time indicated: 1,40,45
